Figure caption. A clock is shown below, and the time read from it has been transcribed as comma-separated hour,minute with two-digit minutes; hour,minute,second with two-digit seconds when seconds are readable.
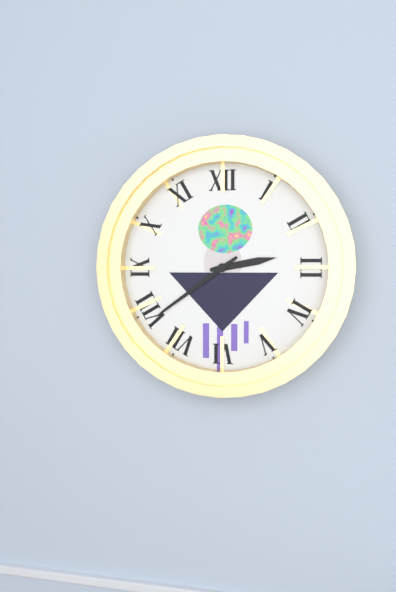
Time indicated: 2,39
